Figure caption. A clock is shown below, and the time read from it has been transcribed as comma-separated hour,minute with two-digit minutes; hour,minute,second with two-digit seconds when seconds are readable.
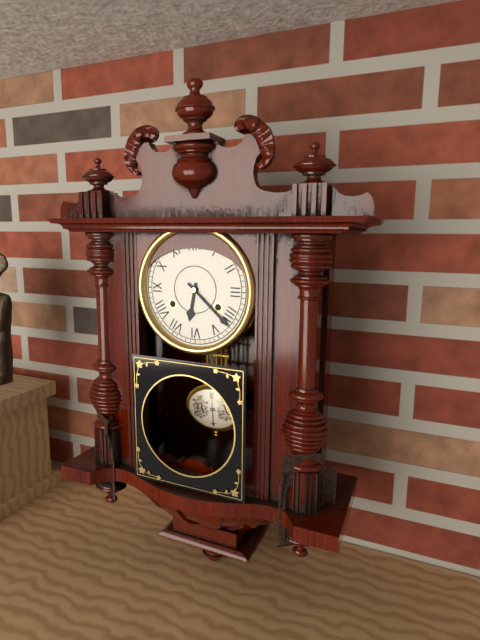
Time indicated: 6,22
